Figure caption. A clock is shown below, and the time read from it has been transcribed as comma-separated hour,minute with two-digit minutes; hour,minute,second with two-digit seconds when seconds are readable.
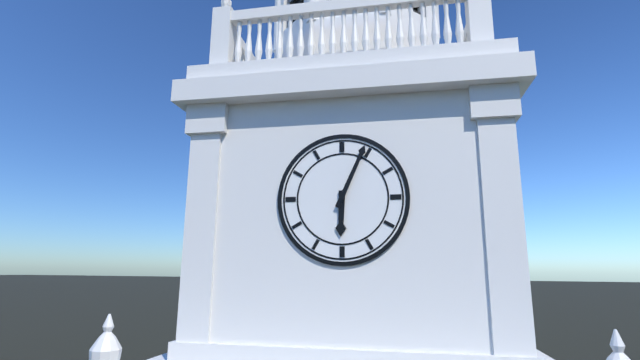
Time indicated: 6,04
